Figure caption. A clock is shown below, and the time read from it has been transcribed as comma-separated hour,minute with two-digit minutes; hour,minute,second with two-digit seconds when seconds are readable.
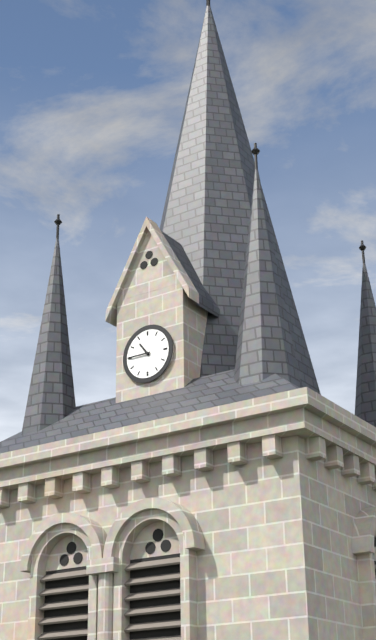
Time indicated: 10,45
